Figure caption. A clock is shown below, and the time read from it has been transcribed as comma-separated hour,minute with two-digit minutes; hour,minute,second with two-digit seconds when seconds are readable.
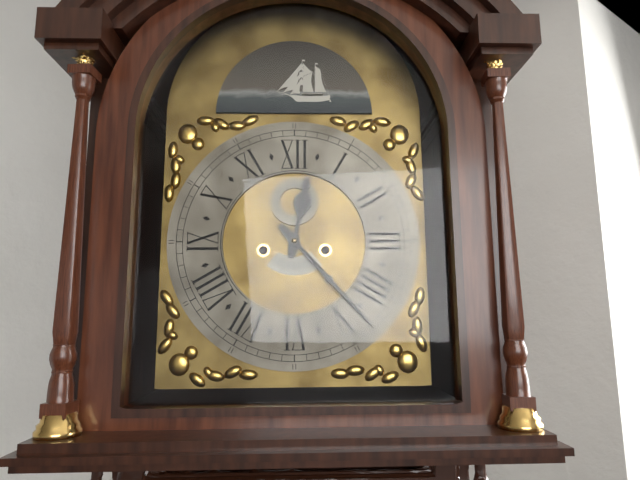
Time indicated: 12,23
